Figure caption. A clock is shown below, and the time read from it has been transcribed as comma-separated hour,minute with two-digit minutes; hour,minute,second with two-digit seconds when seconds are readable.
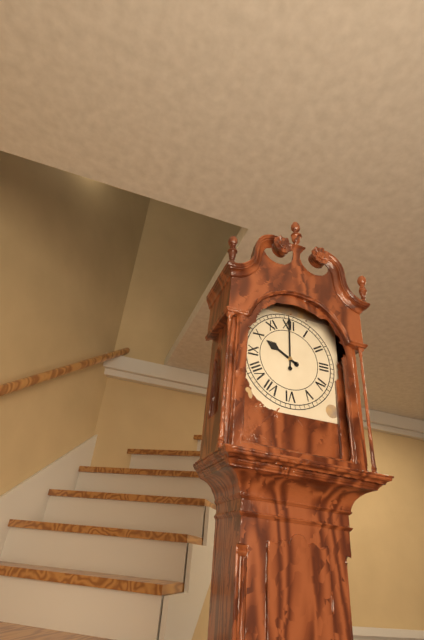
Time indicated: 10,00
